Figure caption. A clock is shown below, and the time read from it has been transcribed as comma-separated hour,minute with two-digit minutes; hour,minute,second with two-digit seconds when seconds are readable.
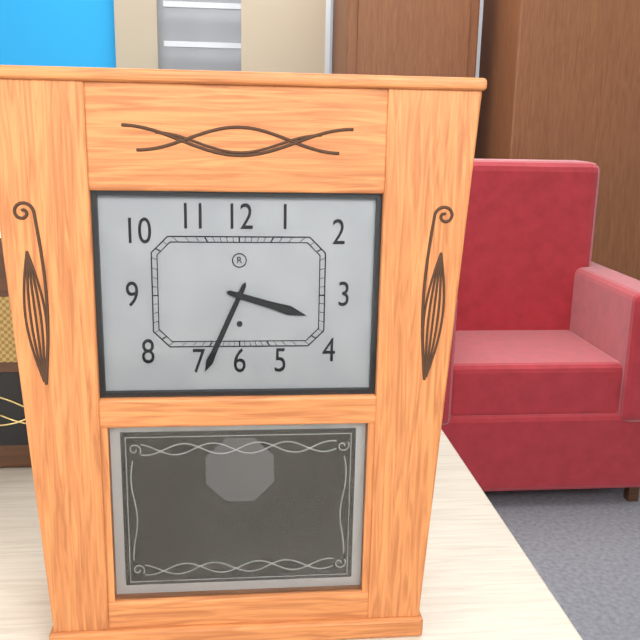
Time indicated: 3,34
